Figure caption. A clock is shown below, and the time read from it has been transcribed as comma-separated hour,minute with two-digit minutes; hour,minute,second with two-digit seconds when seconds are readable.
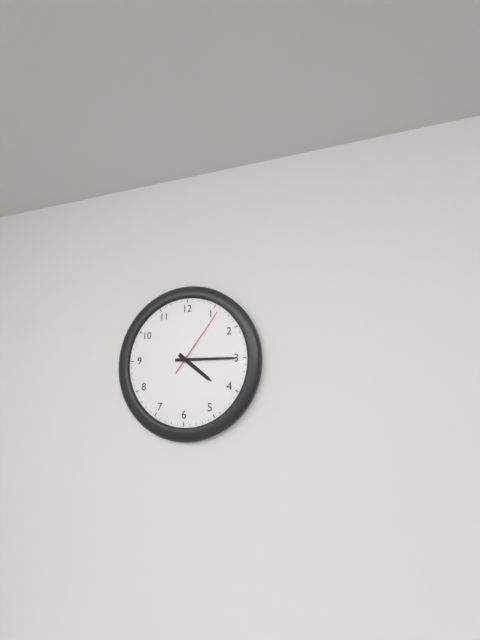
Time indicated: 4,15,06
